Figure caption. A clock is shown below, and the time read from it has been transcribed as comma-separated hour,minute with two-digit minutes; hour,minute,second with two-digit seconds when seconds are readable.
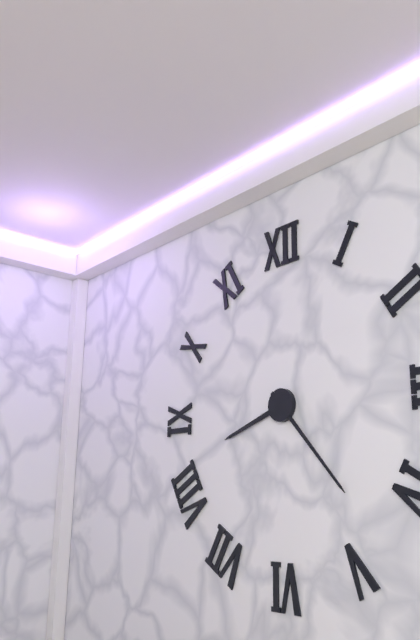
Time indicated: 8,23
